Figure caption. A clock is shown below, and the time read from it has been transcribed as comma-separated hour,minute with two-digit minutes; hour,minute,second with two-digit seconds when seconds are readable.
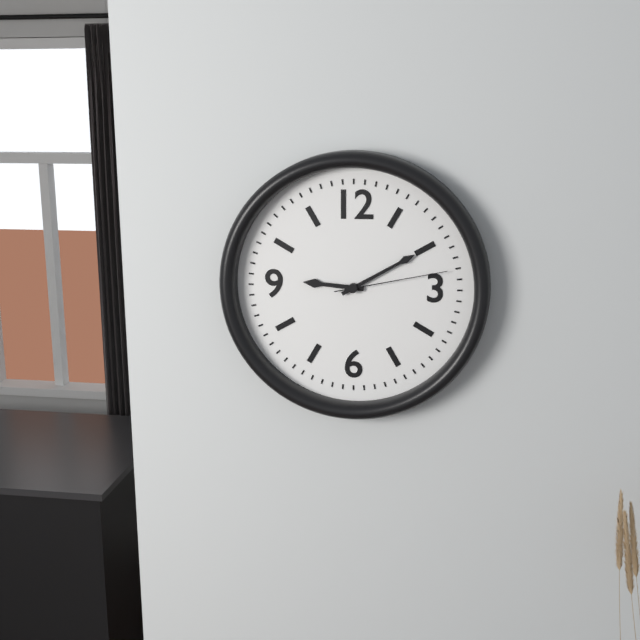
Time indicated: 9,10,13
